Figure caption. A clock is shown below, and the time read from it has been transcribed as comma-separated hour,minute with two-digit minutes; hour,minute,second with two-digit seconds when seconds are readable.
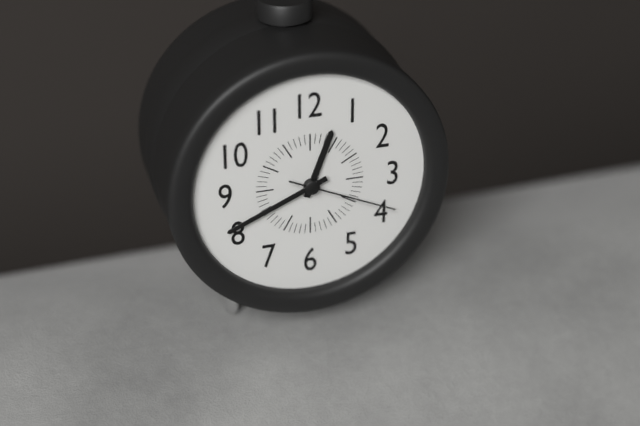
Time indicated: 12,41,19
